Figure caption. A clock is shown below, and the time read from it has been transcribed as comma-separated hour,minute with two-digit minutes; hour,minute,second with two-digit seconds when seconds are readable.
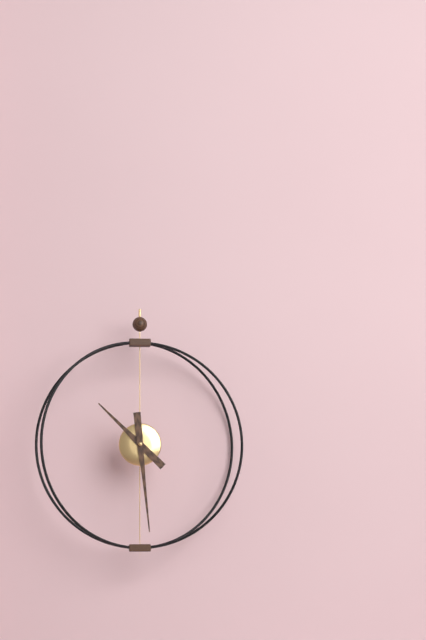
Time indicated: 10,29
